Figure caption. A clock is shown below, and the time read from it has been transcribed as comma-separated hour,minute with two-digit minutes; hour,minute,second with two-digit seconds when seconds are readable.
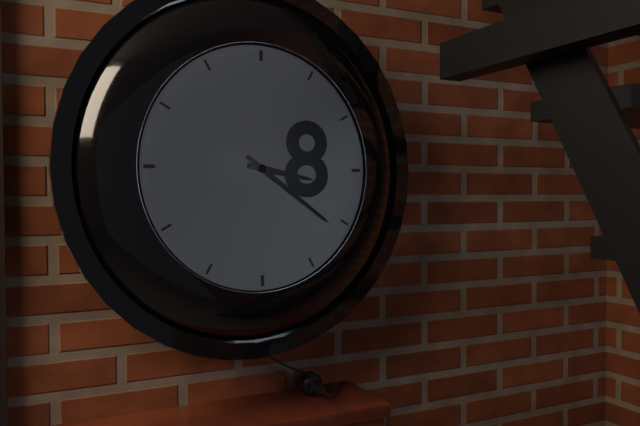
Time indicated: 3,21
